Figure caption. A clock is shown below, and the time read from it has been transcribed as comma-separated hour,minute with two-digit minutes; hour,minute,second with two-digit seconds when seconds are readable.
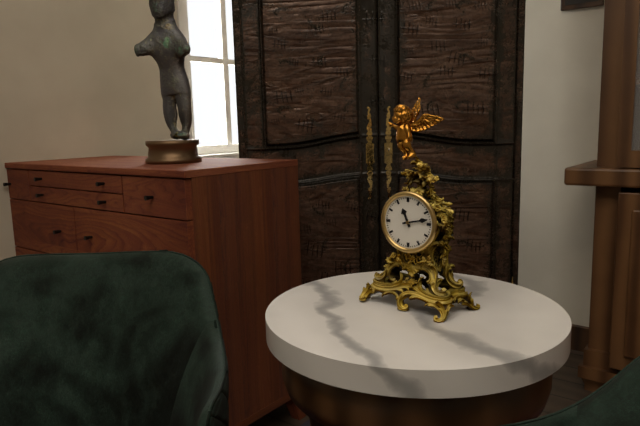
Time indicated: 11,13
